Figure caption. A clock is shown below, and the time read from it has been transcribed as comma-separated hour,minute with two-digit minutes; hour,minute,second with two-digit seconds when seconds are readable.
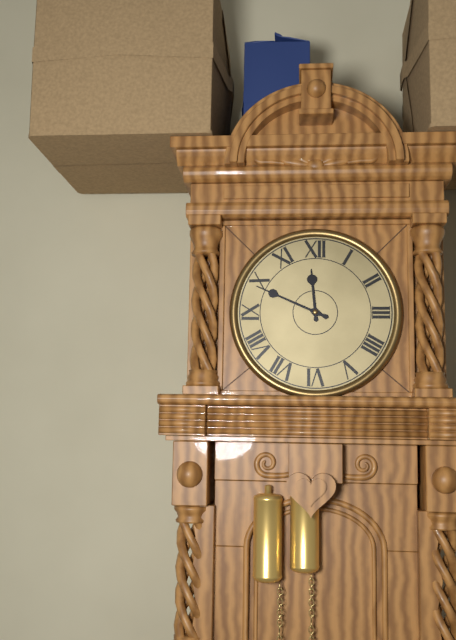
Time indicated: 11,49
